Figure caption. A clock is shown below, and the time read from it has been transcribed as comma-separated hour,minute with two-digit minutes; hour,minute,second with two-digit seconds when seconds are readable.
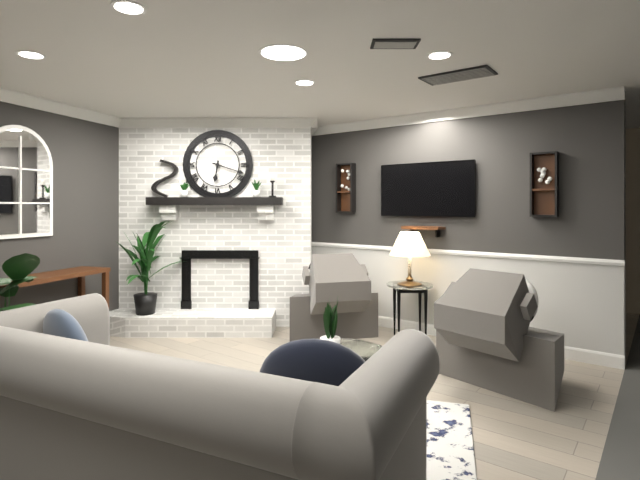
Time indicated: 6,18
